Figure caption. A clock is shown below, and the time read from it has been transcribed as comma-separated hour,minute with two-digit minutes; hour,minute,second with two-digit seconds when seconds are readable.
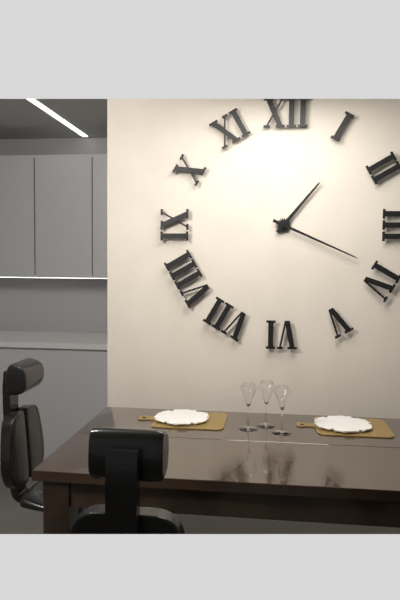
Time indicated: 1,19
